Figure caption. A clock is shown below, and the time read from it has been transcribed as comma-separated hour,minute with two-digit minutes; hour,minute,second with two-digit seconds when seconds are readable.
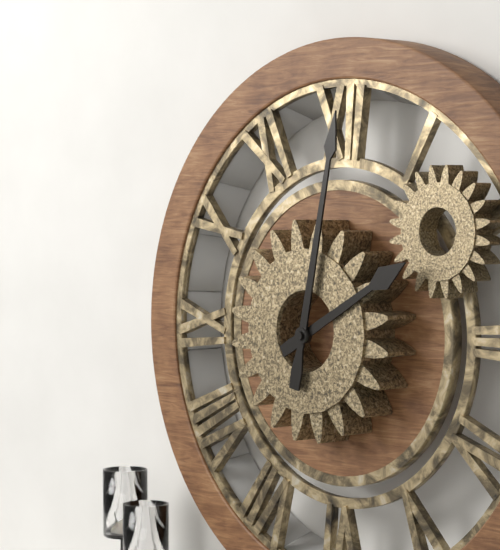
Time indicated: 2,02
